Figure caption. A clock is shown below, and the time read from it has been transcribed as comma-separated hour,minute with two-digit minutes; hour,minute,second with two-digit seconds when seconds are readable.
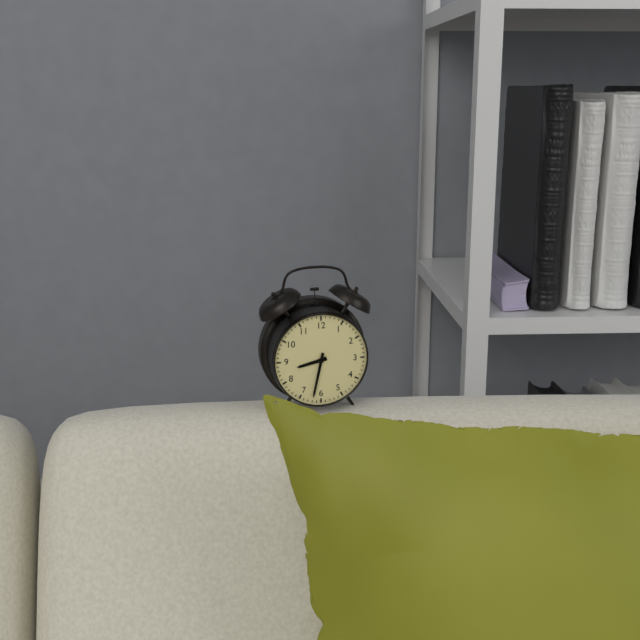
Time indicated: 8,32
